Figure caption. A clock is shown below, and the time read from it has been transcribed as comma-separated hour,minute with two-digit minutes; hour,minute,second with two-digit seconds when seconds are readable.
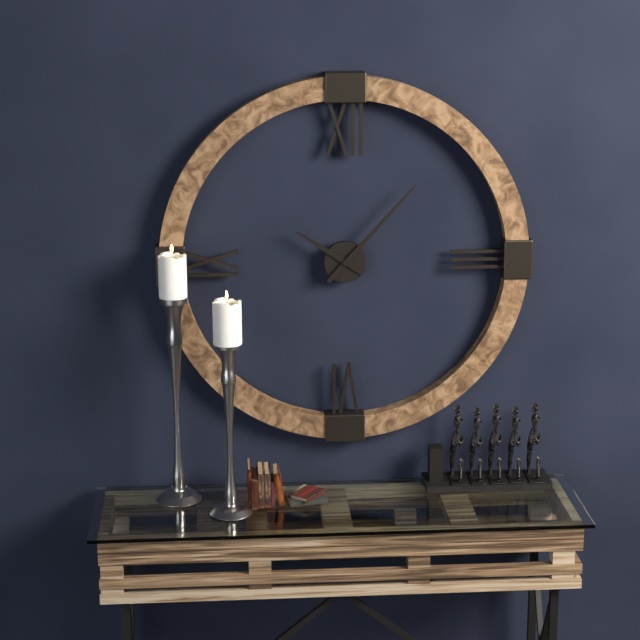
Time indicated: 10,07
